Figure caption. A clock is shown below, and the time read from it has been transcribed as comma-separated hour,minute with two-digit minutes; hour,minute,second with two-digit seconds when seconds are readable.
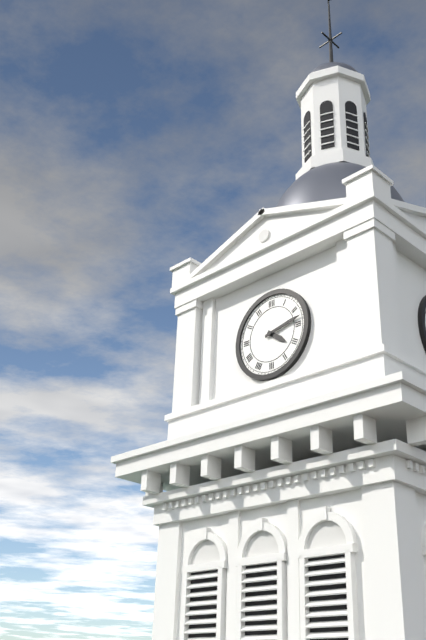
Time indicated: 4,13
